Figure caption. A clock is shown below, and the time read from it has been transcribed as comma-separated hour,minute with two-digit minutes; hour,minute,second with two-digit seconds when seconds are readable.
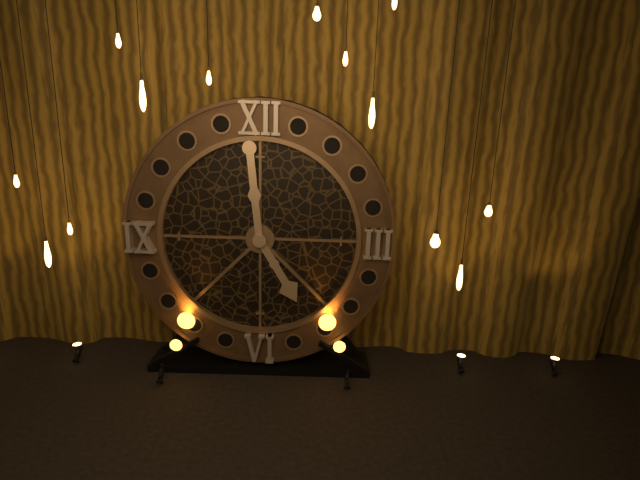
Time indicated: 4,59
